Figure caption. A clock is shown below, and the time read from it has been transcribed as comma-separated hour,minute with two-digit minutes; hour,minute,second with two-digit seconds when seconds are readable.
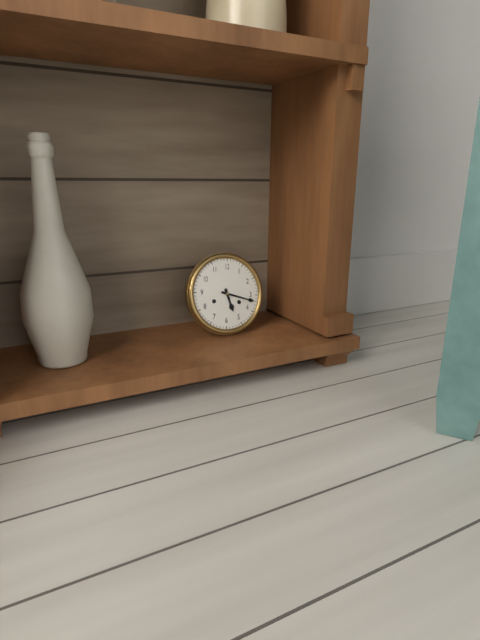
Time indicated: 5,17
